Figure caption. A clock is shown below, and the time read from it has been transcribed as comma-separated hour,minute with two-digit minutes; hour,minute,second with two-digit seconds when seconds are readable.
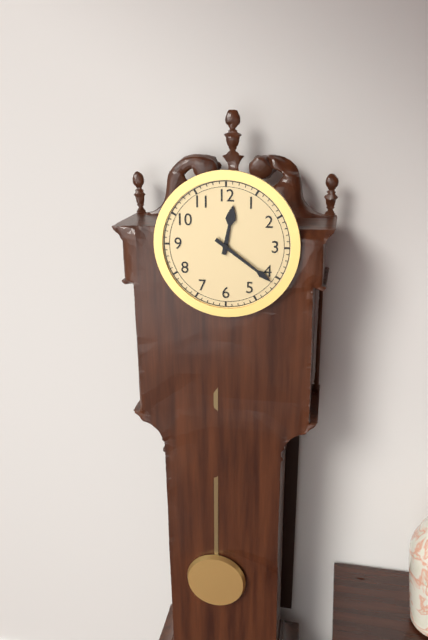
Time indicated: 12,21
